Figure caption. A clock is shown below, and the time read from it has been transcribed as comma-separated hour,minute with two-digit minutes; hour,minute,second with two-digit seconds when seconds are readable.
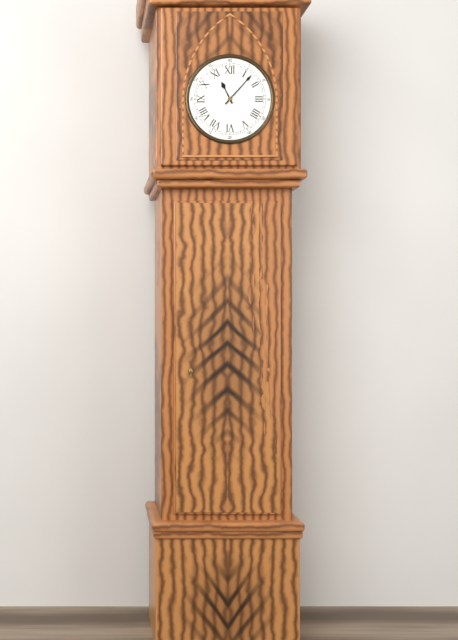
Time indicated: 11,07
